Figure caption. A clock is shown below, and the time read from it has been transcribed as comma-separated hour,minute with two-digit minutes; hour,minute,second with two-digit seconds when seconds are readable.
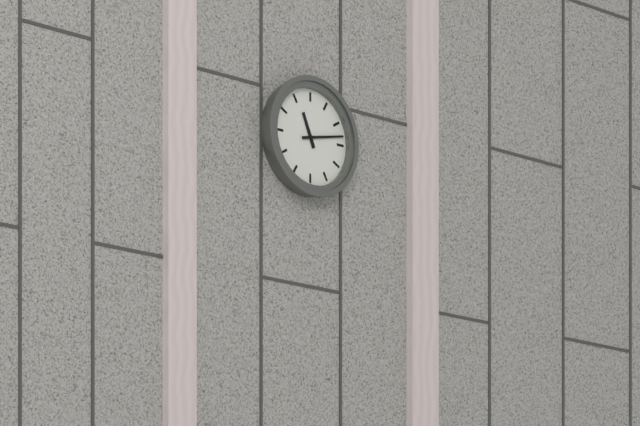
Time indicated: 11,13
